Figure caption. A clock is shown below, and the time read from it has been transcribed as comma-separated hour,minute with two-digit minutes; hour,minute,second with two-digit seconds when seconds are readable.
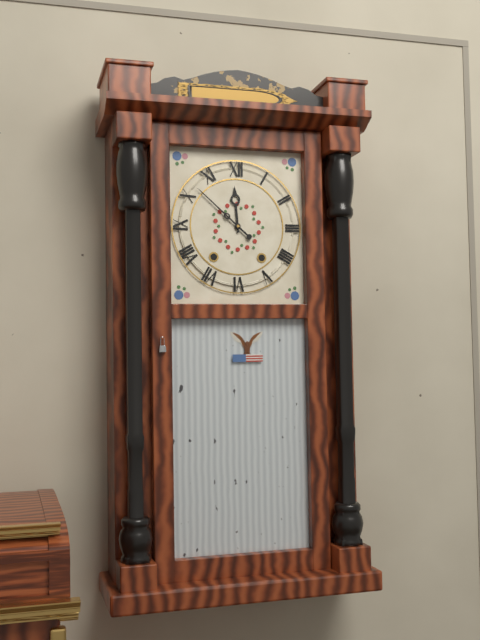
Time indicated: 11,52
